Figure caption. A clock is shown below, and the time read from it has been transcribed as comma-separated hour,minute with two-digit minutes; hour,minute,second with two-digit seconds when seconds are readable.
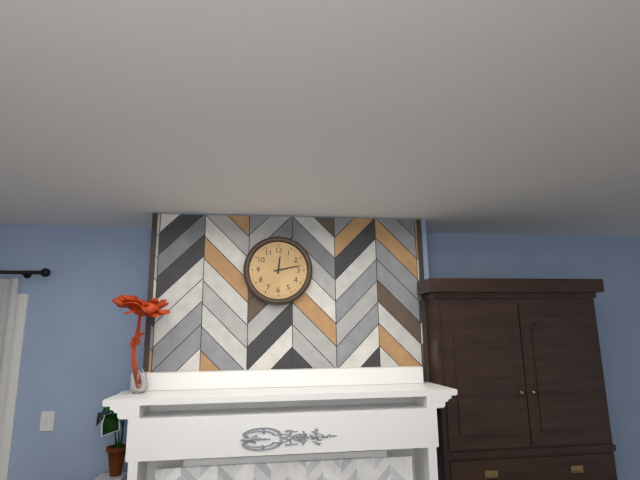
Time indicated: 12,13
